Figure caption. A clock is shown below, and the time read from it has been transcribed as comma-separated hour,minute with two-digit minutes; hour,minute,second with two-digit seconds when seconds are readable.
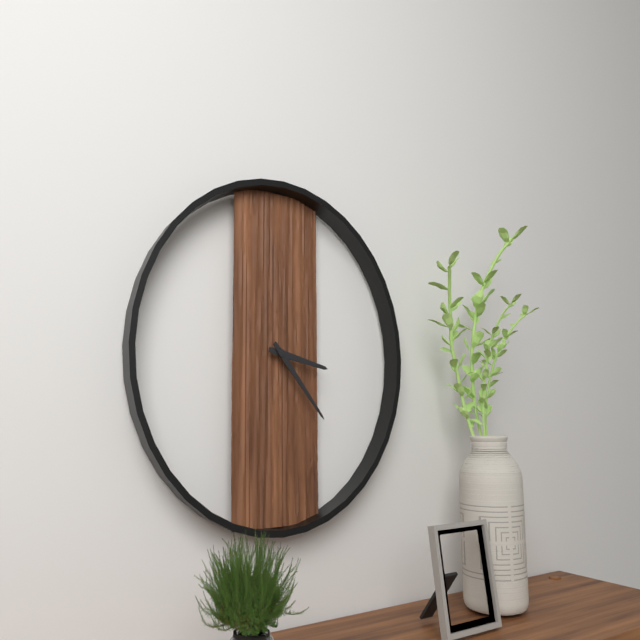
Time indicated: 3,23
